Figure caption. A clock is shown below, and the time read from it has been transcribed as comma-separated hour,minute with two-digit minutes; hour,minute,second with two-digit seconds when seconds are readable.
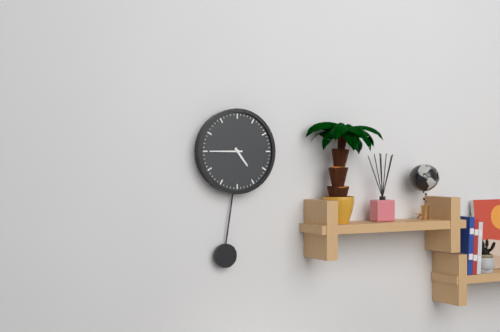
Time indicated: 4,45
